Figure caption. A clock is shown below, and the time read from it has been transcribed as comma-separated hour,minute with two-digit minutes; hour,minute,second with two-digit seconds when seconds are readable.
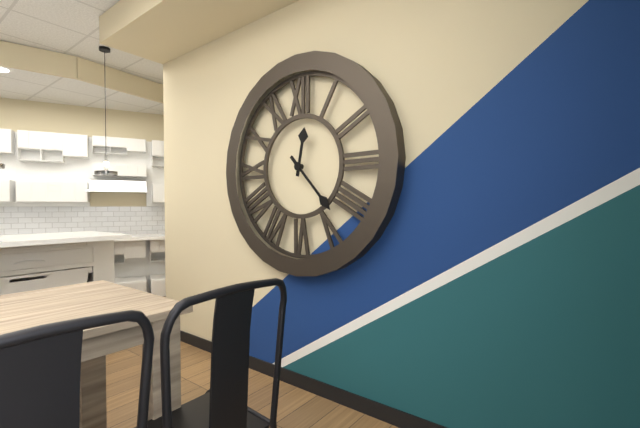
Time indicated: 12,23
